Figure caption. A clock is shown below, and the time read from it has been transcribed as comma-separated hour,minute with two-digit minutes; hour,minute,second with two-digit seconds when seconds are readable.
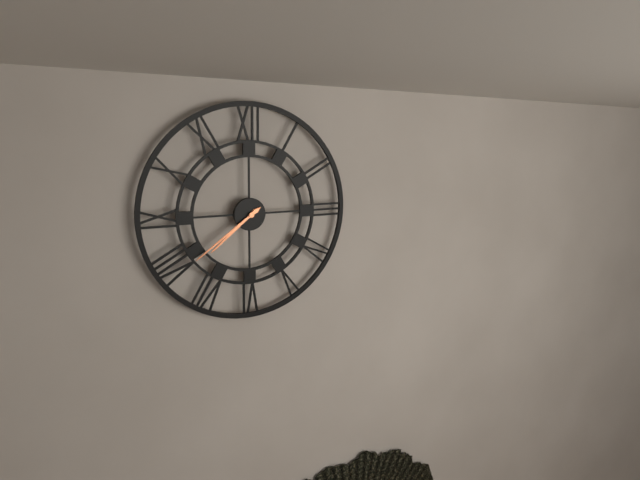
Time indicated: 7,39
